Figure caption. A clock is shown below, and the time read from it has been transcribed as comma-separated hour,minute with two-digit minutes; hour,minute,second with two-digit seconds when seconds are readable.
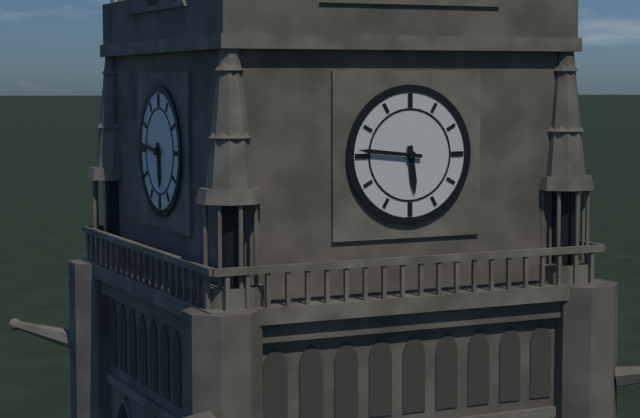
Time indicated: 5,46
